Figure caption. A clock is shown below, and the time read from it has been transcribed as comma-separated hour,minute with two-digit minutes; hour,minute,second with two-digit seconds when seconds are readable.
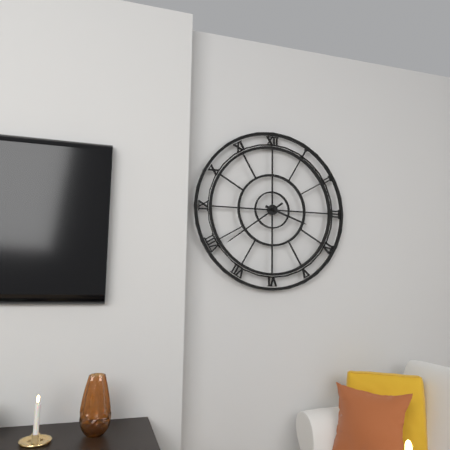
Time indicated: 3,39
